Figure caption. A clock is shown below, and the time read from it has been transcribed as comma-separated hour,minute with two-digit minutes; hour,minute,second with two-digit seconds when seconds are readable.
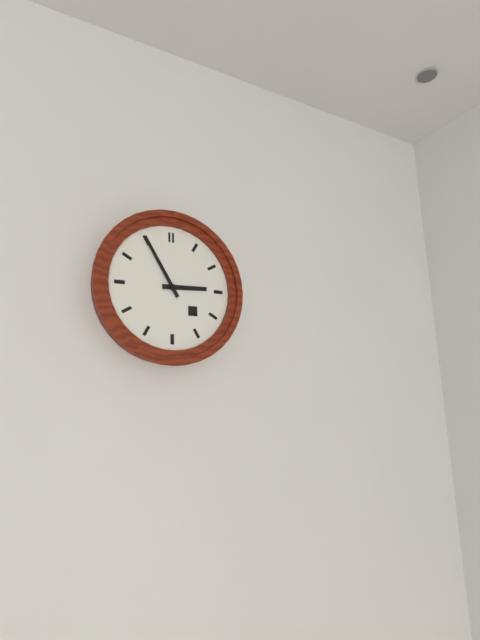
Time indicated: 2,55
